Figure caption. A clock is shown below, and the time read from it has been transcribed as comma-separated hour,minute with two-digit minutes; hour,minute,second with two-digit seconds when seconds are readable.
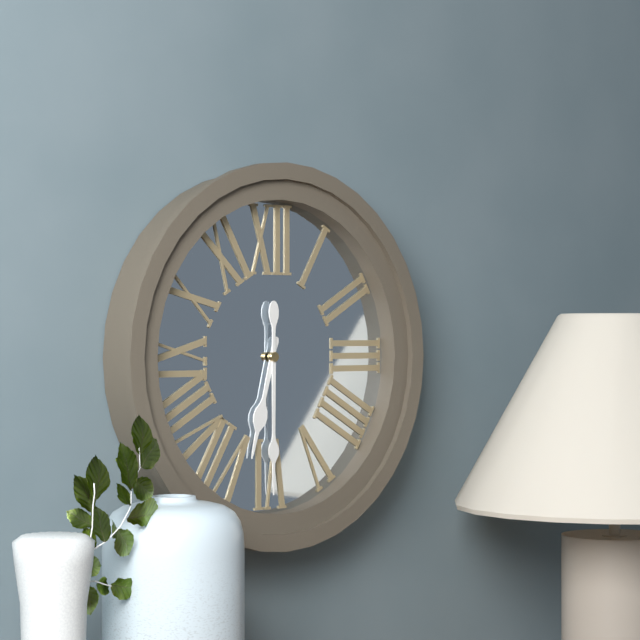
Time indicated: 6,30
